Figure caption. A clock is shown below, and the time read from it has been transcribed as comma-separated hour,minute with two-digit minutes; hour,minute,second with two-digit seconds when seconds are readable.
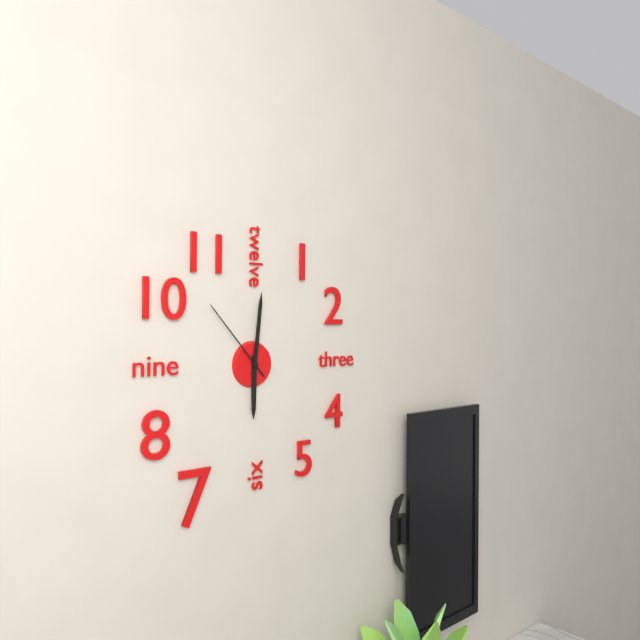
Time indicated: 6,01,53
